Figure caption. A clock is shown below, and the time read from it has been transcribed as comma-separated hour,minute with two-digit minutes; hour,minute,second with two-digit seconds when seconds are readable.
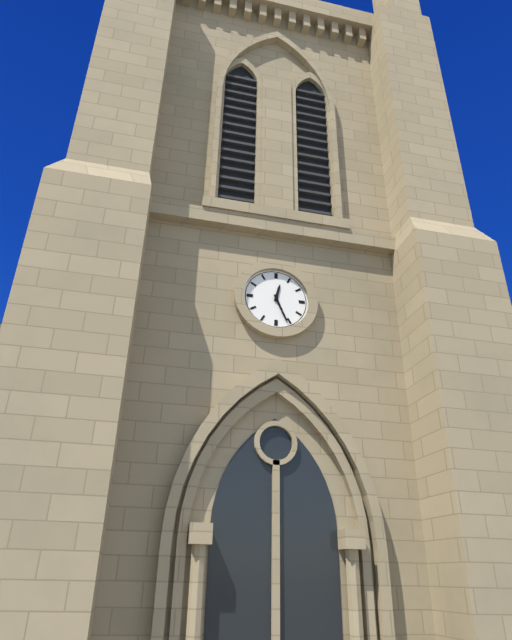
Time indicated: 12,26
